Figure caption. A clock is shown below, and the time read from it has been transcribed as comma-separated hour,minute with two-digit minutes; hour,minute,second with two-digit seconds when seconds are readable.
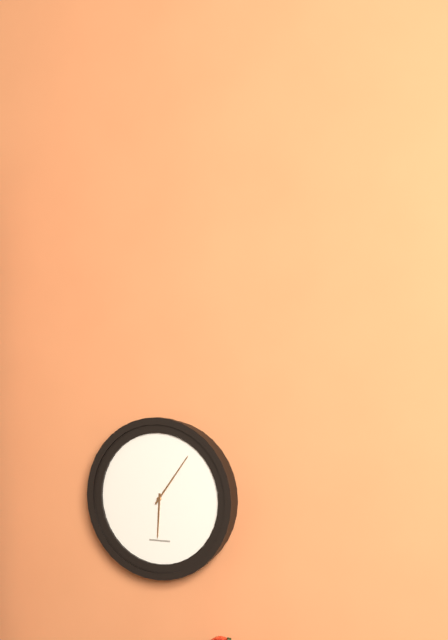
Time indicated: 6,06
